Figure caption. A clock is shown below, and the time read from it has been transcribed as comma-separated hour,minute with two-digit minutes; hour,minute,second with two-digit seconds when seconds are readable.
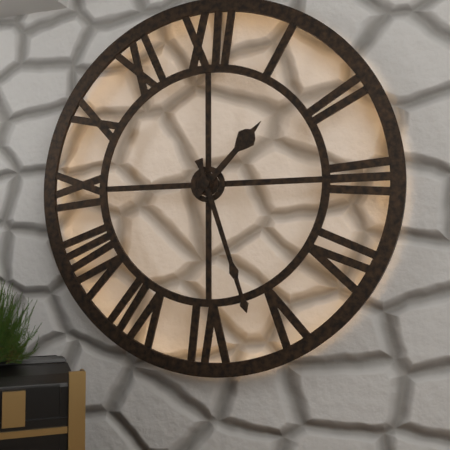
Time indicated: 1,27
